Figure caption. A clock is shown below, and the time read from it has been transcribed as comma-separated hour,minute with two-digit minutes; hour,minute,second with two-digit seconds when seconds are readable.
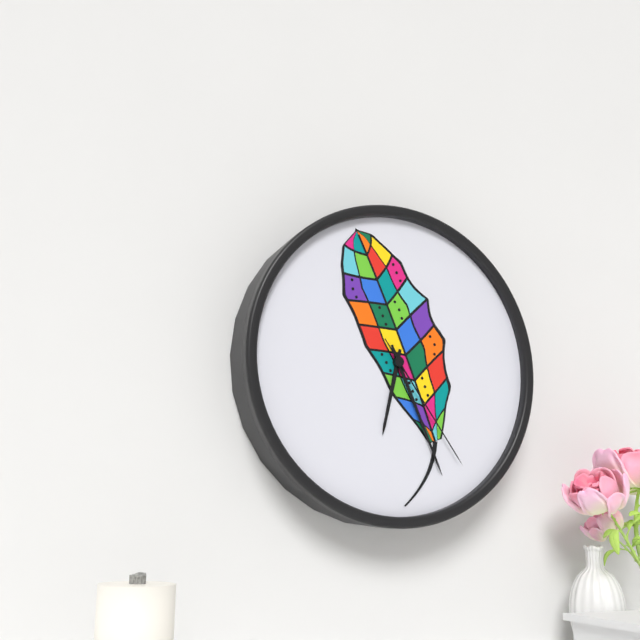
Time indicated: 6,26,24
